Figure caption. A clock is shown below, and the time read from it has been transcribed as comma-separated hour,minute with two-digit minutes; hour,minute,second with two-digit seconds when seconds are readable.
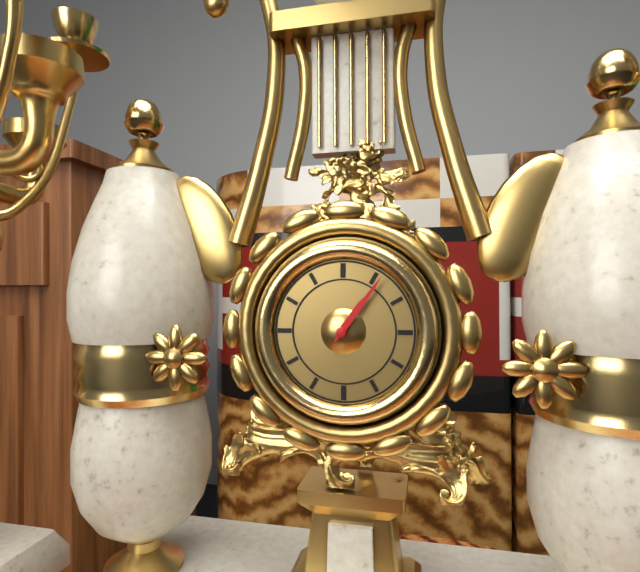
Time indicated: 1,06
